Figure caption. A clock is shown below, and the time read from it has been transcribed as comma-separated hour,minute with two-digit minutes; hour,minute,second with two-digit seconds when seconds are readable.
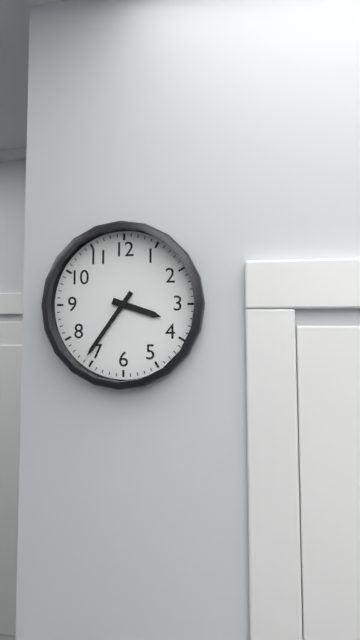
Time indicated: 3,36
